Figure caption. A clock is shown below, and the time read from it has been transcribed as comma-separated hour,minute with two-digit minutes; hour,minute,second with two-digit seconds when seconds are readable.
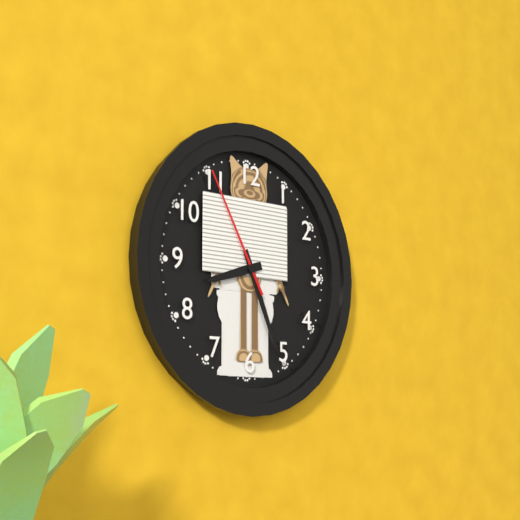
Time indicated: 8,26,55
